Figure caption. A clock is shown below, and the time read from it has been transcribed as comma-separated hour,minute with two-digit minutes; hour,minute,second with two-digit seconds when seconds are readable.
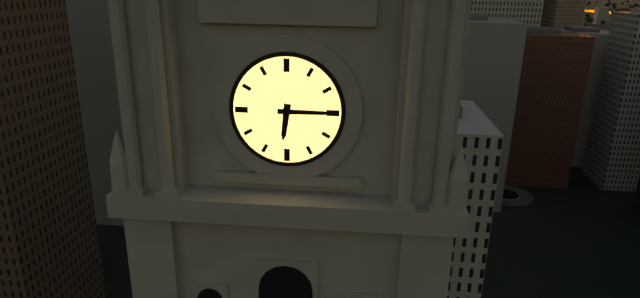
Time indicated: 6,15
